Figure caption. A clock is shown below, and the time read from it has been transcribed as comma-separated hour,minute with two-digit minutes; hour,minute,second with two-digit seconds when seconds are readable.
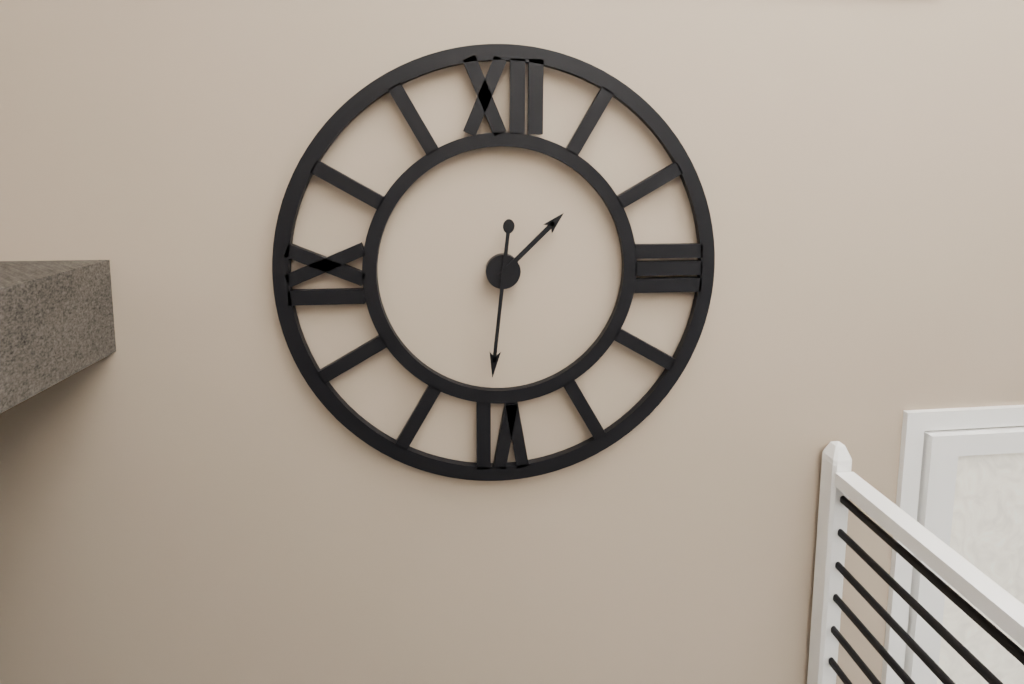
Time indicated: 1,31
